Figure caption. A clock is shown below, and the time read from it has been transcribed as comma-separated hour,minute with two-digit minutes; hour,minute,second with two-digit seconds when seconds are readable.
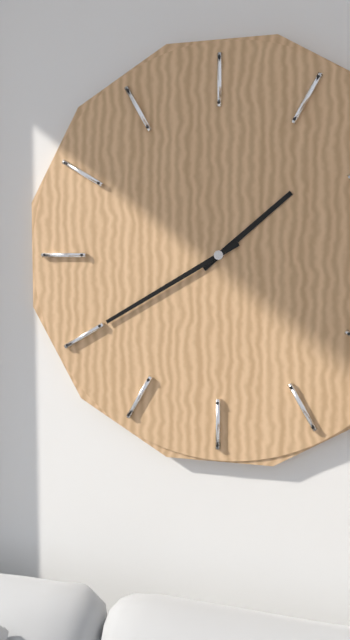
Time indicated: 1,40
